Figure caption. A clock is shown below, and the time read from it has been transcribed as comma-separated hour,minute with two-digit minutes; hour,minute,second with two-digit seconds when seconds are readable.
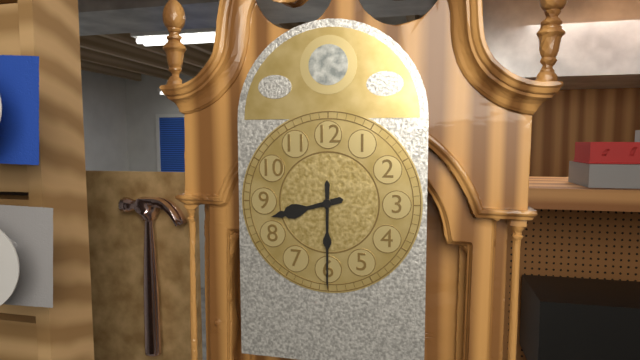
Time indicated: 8,30
